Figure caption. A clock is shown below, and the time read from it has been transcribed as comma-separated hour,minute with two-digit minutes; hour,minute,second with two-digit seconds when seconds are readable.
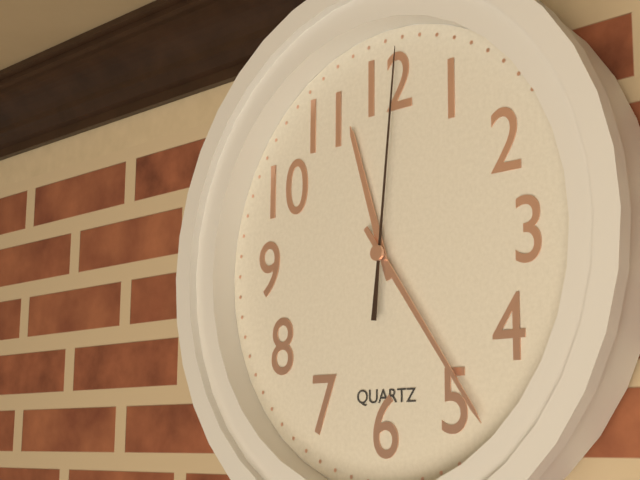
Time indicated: 11,24,01
